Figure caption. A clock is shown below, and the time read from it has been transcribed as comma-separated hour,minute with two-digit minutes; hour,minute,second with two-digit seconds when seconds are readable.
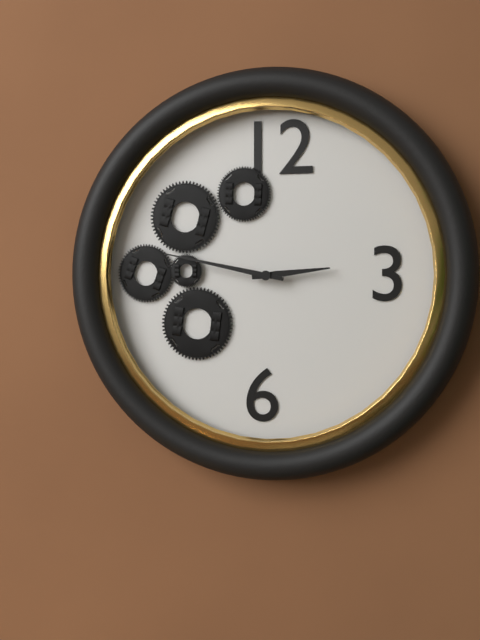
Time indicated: 2,47
